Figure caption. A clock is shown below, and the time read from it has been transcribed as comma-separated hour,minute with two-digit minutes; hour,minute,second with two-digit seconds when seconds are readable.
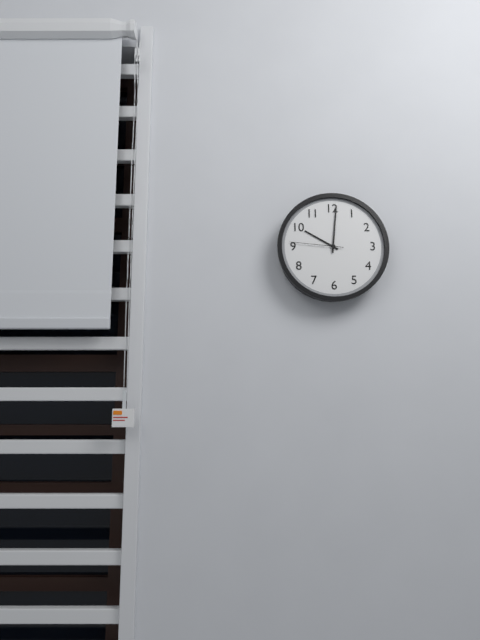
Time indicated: 10,01,46
